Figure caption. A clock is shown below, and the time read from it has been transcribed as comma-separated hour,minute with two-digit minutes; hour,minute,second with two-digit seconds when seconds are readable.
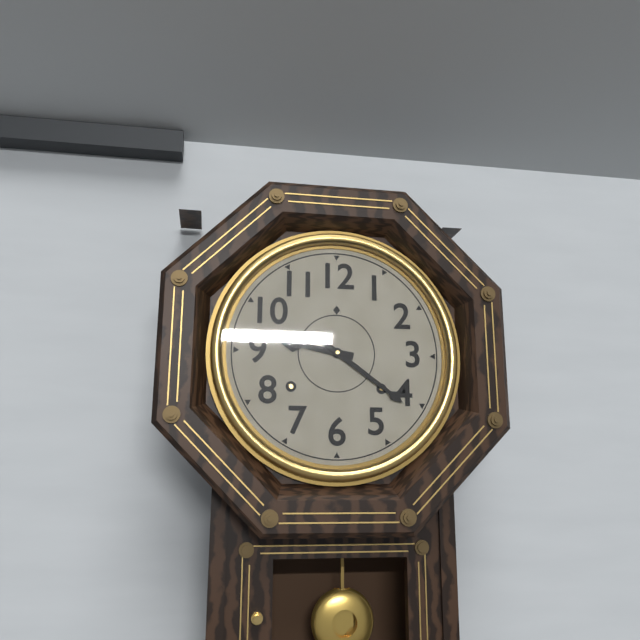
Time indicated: 9,21
